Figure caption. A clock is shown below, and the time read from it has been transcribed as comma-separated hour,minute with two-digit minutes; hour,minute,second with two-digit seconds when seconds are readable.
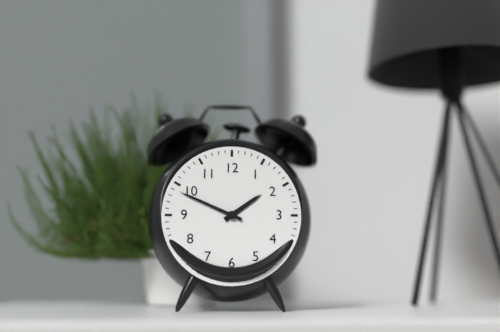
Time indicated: 1,49
